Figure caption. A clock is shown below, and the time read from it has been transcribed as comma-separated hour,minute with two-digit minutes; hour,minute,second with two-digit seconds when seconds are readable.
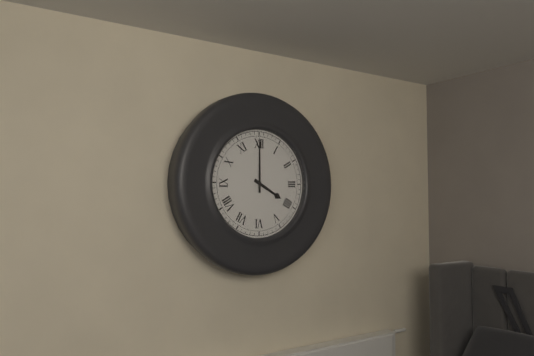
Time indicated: 4,00
